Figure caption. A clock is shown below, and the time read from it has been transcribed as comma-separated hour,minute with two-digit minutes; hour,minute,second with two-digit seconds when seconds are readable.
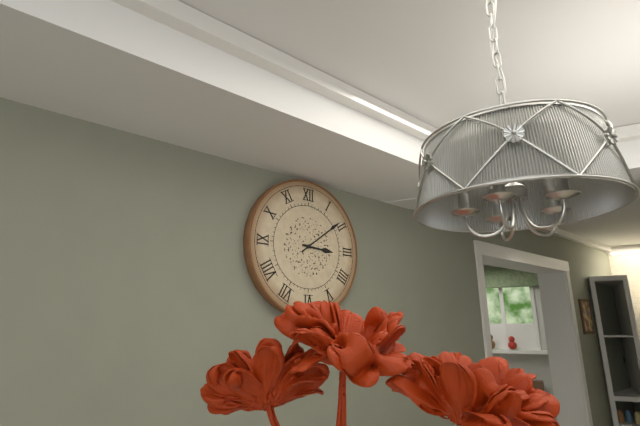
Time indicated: 3,09
